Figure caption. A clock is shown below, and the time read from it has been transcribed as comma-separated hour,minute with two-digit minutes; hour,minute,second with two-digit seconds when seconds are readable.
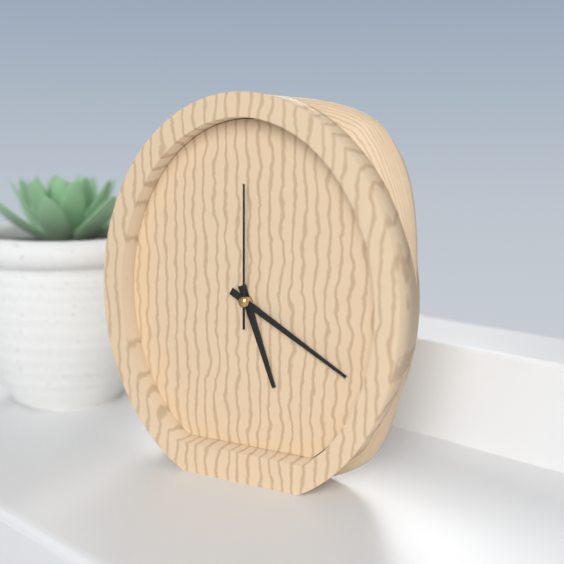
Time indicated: 5,20,00
